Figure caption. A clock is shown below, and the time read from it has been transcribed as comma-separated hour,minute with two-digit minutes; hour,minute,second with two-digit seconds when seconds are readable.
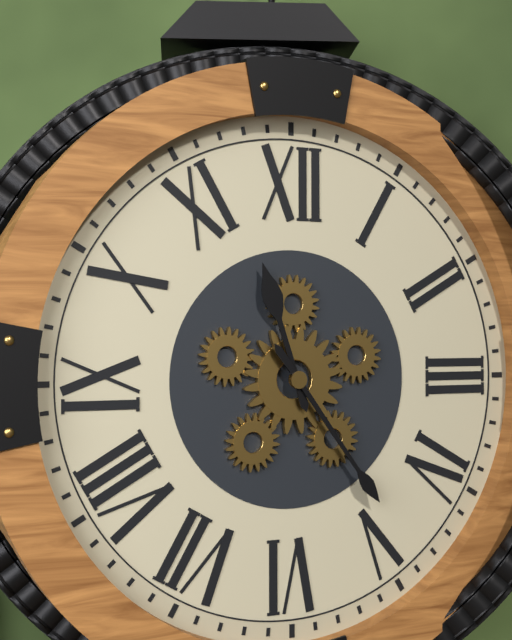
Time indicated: 11,24
